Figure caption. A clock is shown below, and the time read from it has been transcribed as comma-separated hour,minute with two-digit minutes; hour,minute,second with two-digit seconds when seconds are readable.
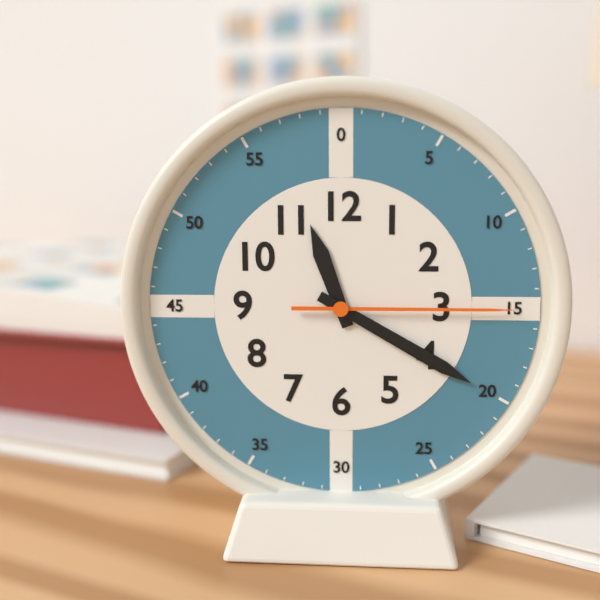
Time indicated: 11,20,15
